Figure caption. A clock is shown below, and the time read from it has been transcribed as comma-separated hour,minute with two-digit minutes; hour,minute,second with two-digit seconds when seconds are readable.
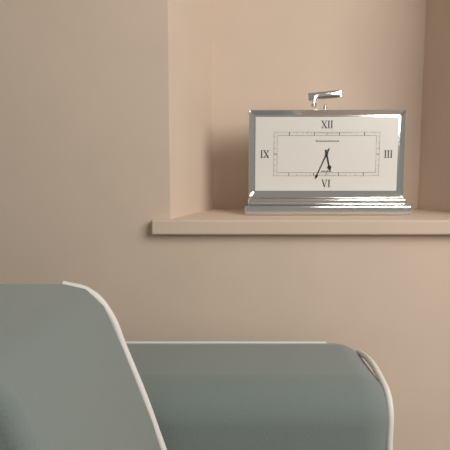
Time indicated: 5,34
